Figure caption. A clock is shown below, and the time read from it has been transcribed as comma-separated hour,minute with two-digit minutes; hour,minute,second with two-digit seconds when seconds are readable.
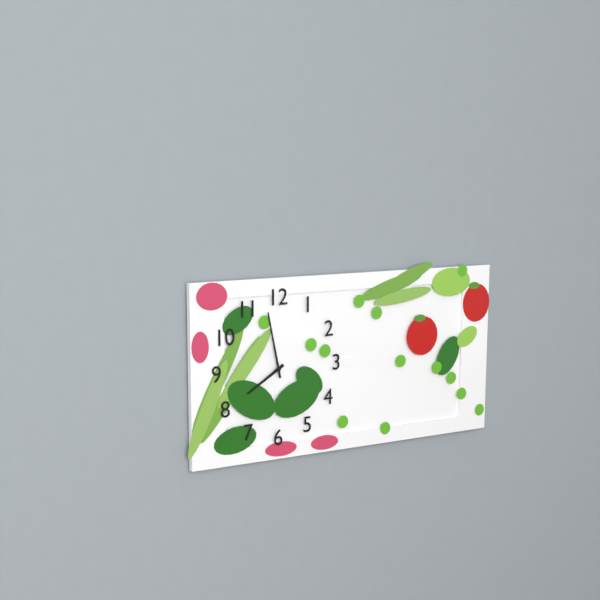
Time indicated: 7,58
